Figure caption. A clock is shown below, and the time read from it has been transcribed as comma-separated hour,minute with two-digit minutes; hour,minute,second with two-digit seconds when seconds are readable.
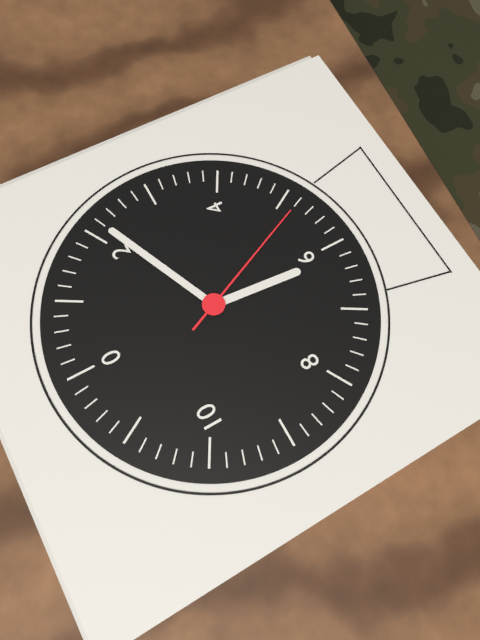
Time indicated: 6,11,26
